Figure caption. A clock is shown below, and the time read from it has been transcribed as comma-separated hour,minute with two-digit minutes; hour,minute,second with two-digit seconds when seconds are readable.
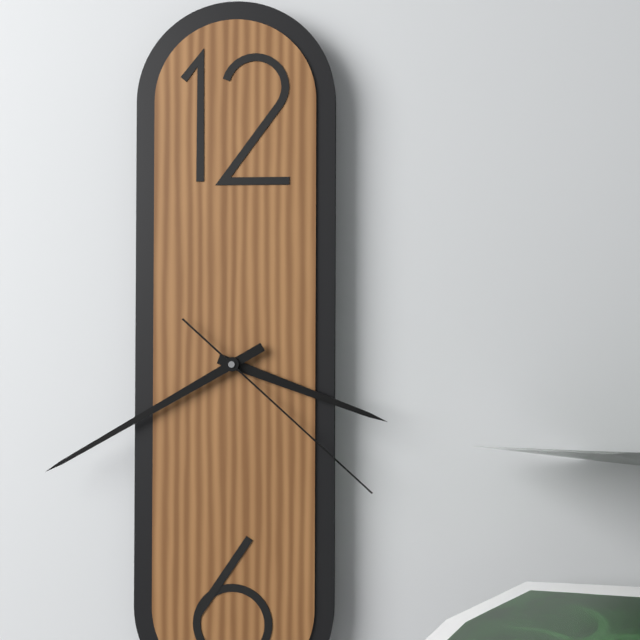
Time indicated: 3,40,22
